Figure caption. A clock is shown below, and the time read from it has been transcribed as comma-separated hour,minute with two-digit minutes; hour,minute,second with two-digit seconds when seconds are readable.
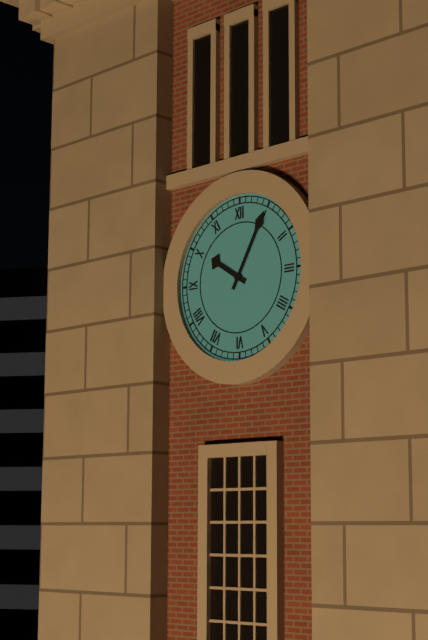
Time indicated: 10,05
